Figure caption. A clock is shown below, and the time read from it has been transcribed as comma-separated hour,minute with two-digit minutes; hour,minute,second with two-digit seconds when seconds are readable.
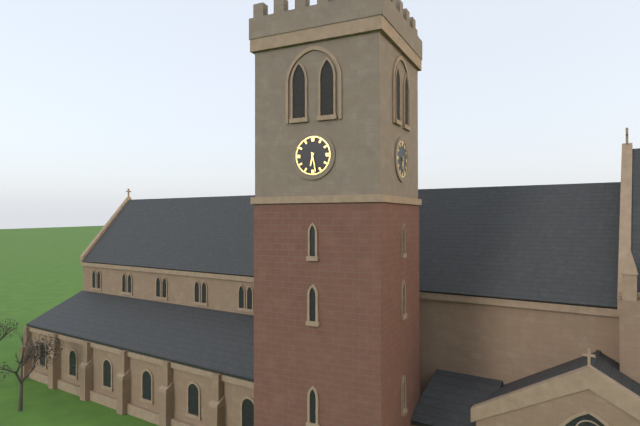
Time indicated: 6,28
